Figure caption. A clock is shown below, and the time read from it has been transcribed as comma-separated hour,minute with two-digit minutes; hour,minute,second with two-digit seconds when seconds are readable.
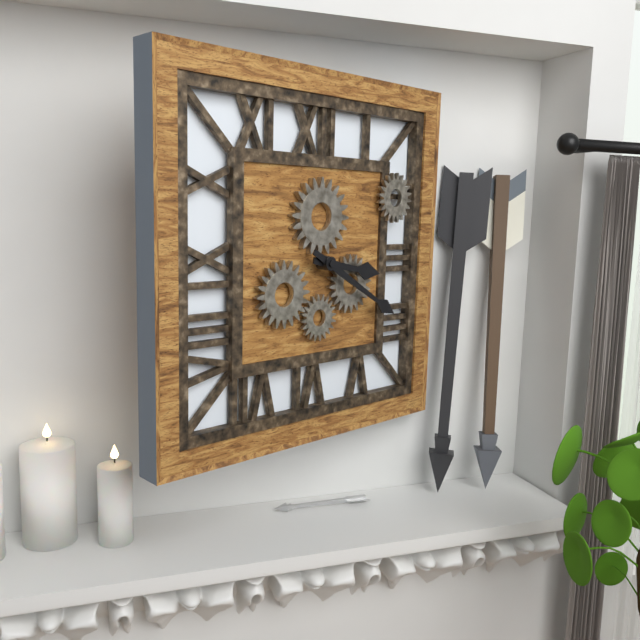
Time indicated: 3,20
